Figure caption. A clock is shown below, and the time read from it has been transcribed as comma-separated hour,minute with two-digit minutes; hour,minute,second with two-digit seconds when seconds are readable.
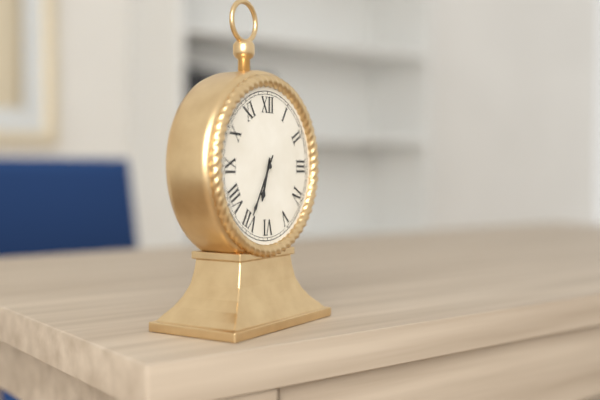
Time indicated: 6,35
